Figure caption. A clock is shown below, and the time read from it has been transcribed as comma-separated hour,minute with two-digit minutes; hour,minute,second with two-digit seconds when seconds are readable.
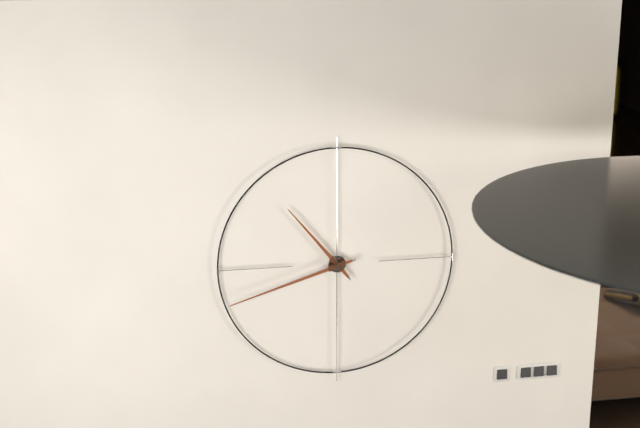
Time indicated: 10,42
